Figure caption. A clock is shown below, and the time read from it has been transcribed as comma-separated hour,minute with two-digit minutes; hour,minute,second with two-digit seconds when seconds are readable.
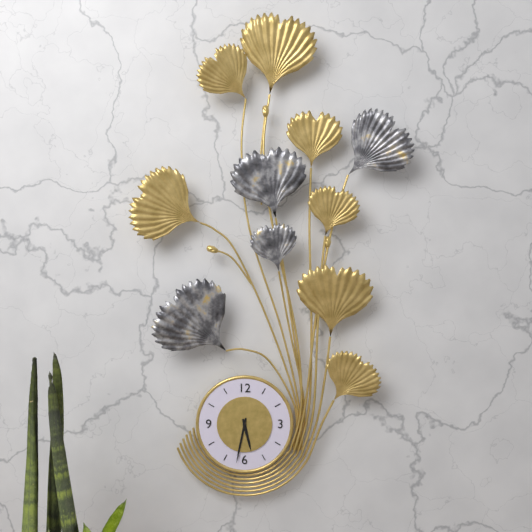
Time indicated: 5,32
